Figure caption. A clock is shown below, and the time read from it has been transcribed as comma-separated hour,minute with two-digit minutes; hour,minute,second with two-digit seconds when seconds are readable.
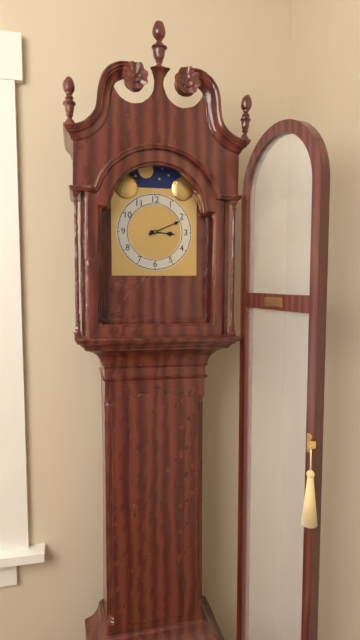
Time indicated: 3,11
